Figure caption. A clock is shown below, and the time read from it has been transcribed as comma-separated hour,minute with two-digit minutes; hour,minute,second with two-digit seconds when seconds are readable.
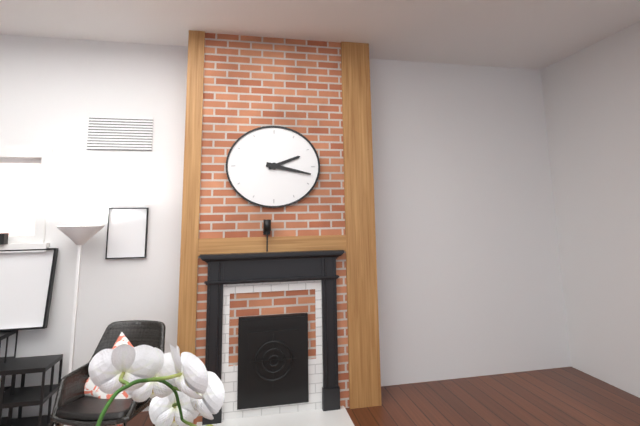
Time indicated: 2,17
